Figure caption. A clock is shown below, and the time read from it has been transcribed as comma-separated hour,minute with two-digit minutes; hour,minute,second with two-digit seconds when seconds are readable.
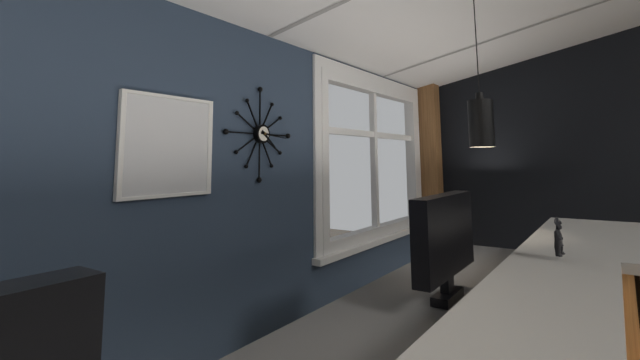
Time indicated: 4,16
